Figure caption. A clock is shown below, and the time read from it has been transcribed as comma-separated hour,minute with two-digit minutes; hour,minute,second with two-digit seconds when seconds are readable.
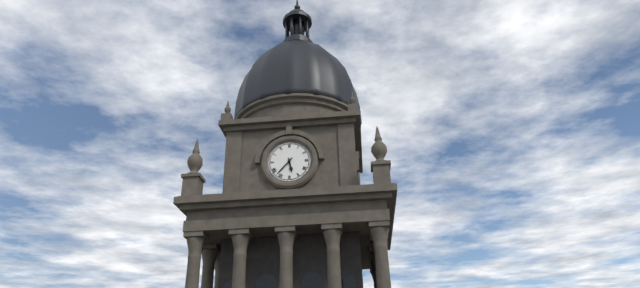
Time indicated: 5,37
